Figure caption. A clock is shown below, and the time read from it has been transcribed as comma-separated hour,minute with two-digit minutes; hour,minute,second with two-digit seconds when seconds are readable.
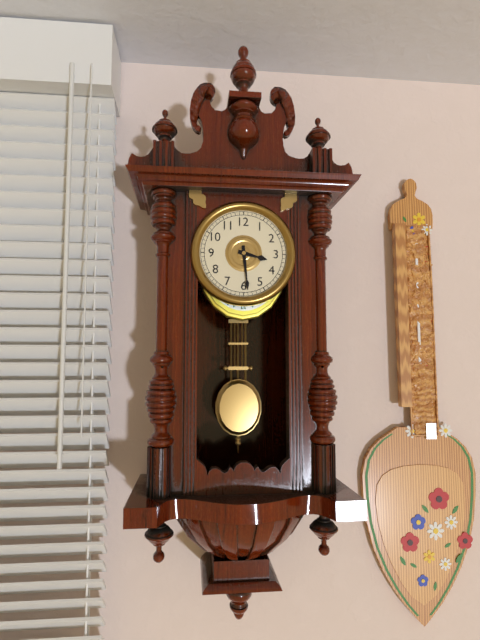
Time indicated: 3,29
